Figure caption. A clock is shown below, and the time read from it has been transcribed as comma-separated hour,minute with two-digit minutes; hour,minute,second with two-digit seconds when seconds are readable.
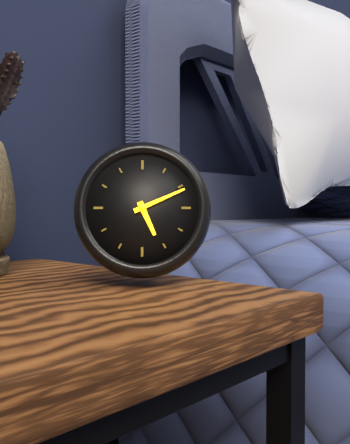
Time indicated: 5,11
